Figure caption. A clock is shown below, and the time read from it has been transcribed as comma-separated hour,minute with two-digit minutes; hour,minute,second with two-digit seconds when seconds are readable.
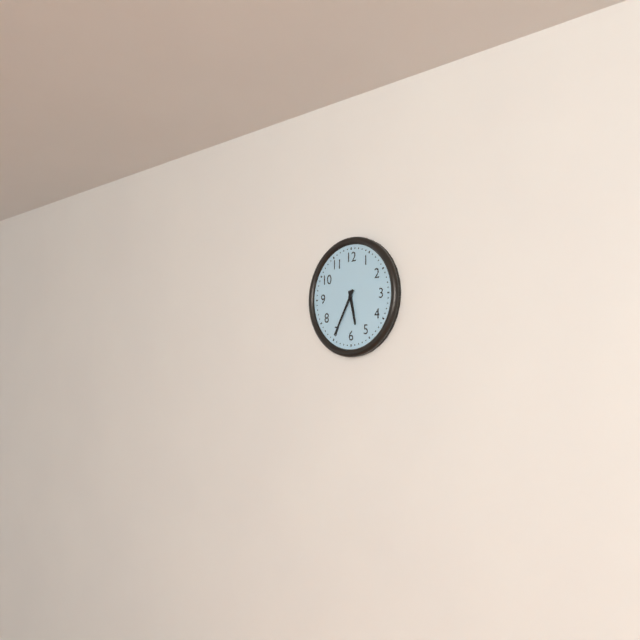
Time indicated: 5,35
